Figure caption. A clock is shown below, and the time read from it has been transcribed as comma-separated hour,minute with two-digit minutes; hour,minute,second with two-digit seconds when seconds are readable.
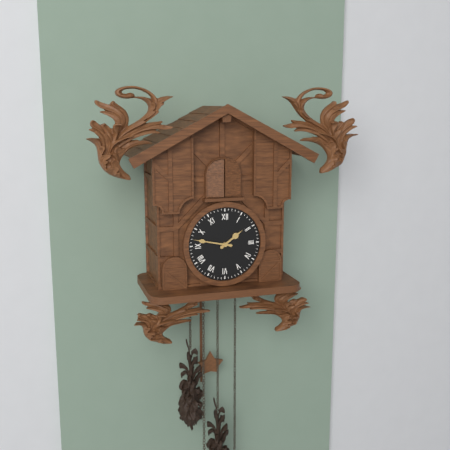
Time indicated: 1,47
